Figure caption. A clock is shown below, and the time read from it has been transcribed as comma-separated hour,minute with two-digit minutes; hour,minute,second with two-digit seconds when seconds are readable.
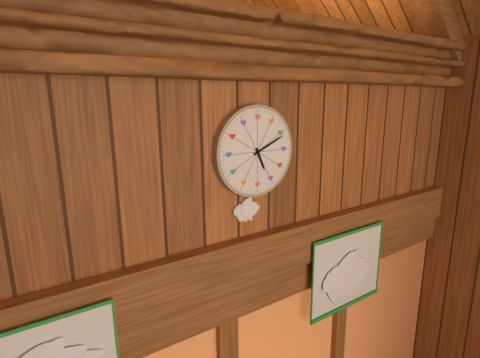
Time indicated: 5,11
